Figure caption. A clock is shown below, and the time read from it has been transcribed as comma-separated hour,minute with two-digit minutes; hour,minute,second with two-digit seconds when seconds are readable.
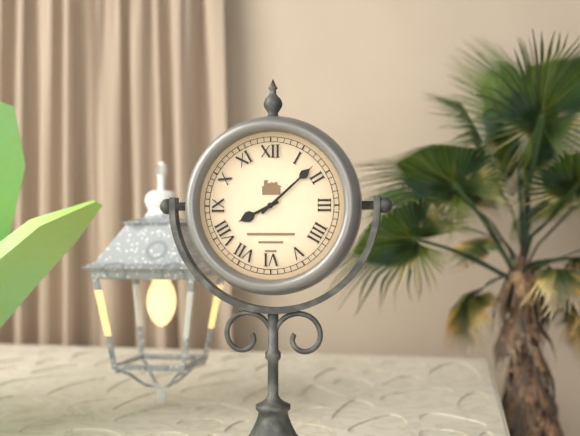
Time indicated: 8,08
